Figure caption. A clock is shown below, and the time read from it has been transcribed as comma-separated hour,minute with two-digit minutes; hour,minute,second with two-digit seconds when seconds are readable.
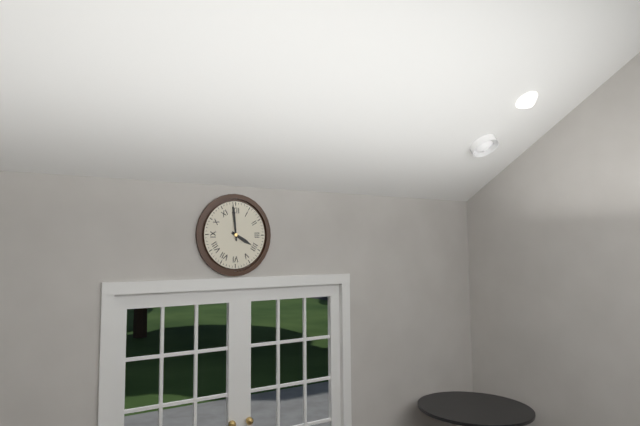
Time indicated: 3,59
